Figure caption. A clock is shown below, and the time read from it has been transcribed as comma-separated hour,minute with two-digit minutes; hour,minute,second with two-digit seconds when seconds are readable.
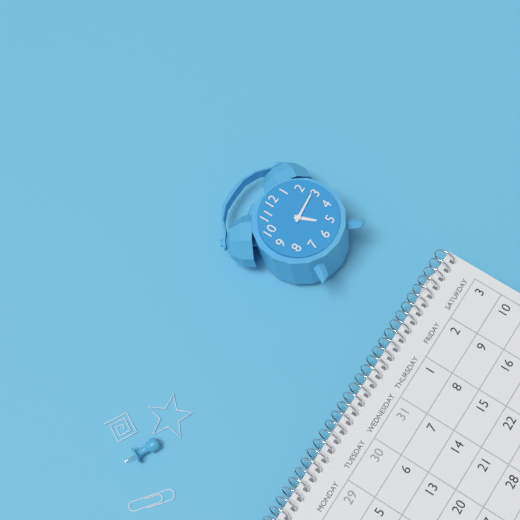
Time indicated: 5,14
